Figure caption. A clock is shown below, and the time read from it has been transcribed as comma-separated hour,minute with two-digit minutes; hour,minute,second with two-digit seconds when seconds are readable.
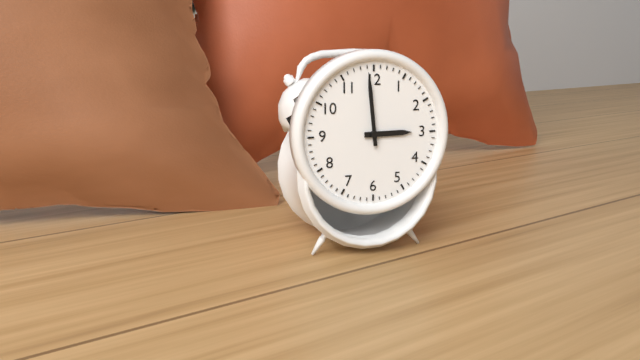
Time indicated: 2,59
